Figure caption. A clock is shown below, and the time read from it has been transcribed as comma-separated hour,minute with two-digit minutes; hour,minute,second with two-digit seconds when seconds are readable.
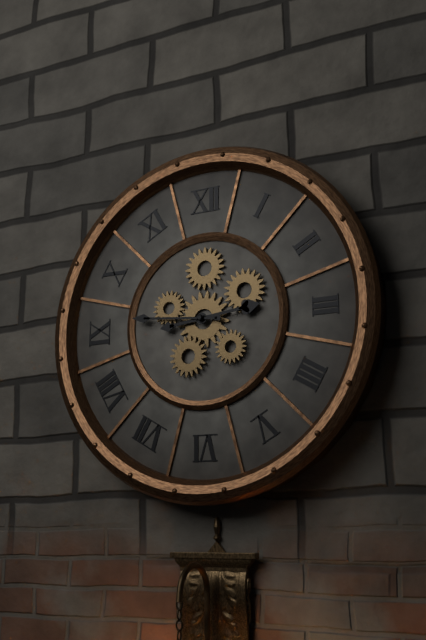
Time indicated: 2,46
